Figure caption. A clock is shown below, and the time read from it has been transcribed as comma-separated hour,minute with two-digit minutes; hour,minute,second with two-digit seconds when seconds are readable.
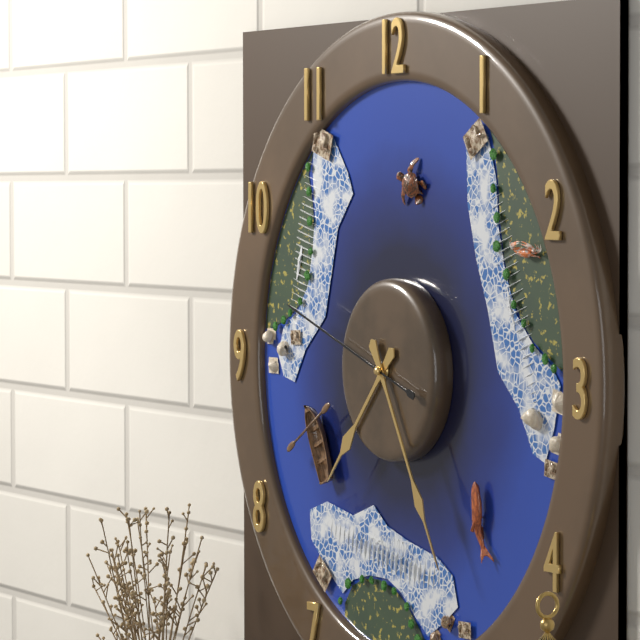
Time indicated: 7,25,48
